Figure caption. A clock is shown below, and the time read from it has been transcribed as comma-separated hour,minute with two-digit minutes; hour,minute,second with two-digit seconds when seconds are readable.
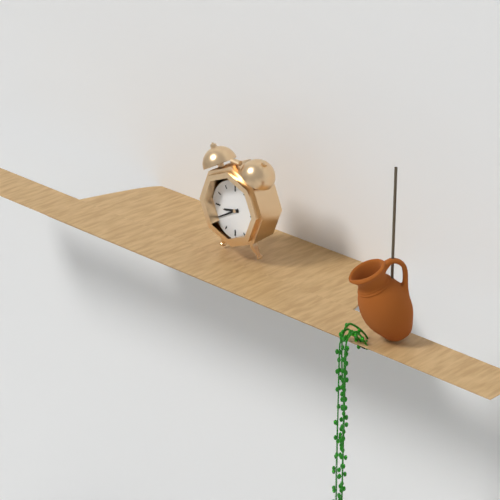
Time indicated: 8,40
